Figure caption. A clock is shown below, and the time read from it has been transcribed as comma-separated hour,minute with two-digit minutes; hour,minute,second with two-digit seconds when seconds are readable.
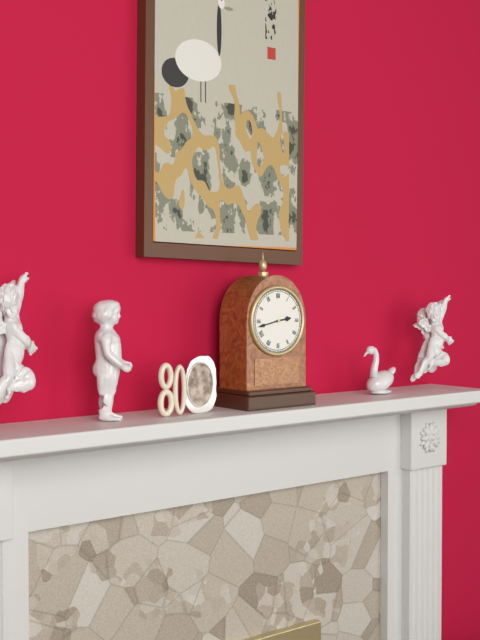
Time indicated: 2,43
